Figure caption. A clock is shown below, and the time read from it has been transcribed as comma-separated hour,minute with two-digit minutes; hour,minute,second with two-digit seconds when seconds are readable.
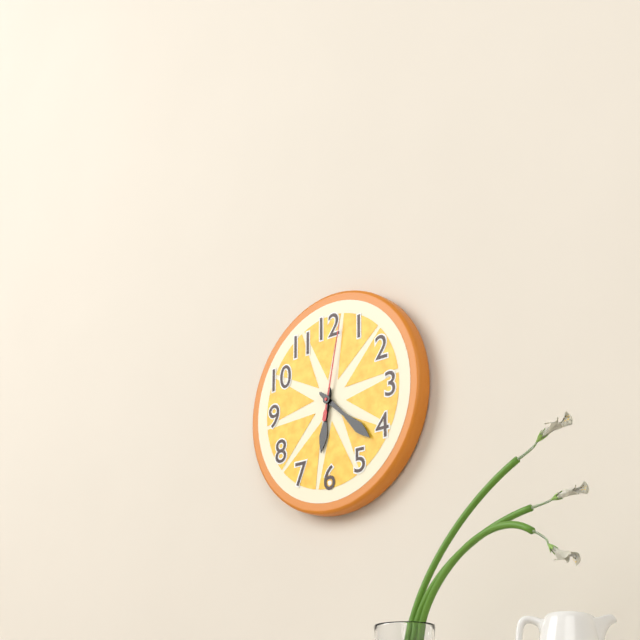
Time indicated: 6,22,02
